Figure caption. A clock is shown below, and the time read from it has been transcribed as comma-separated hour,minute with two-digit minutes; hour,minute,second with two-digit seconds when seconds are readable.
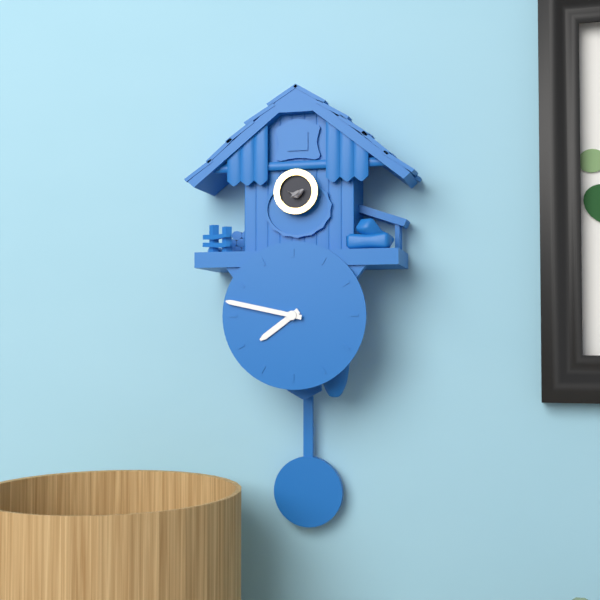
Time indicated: 7,47
